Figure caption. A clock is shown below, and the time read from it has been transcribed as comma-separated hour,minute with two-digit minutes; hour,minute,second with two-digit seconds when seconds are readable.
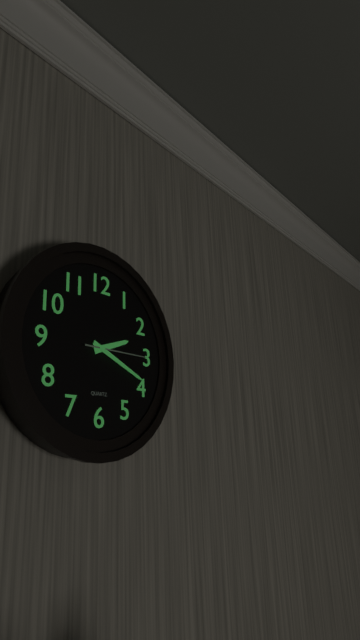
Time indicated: 2,19,15
